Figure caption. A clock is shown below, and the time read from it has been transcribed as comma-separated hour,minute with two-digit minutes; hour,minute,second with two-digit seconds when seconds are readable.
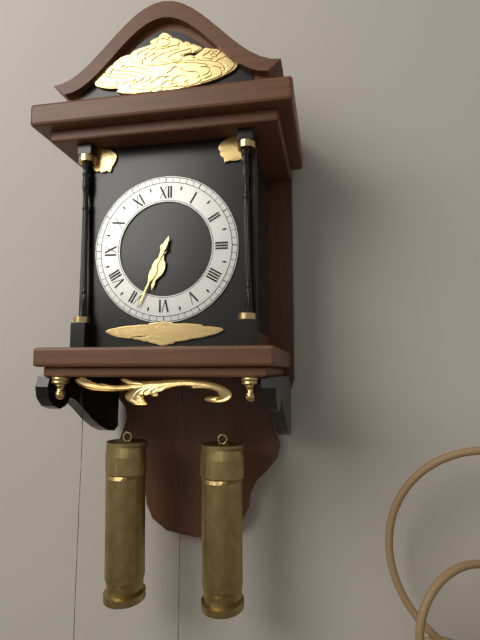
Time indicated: 6,34
